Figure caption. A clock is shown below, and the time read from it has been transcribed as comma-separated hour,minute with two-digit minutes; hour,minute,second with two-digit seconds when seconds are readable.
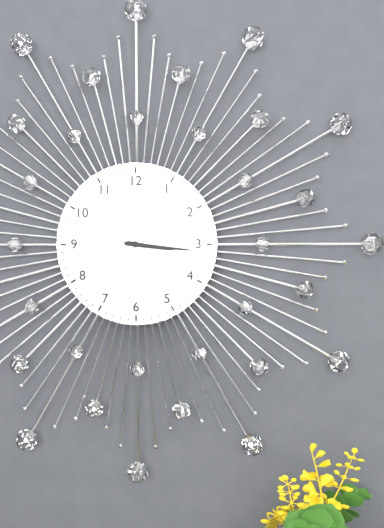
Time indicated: 3,16
